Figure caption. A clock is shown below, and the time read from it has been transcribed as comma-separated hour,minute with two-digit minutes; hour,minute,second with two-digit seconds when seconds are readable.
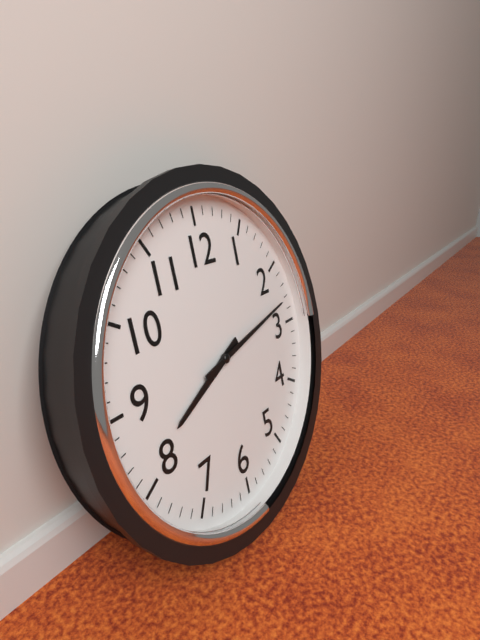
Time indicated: 8,13
